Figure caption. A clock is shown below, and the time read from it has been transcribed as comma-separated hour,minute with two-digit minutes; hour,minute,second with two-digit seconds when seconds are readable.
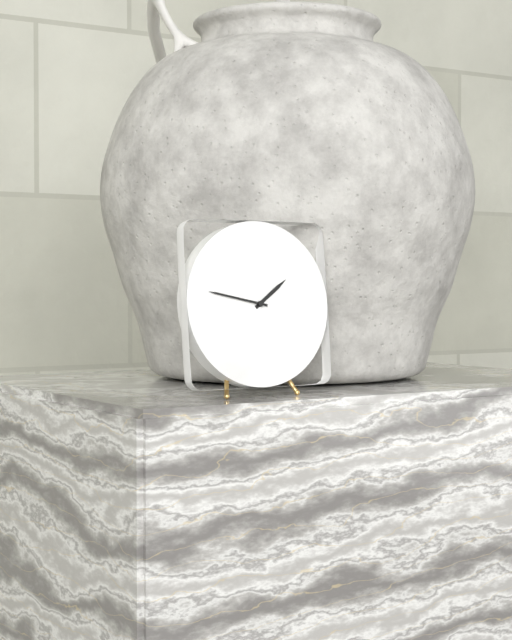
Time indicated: 1,47
